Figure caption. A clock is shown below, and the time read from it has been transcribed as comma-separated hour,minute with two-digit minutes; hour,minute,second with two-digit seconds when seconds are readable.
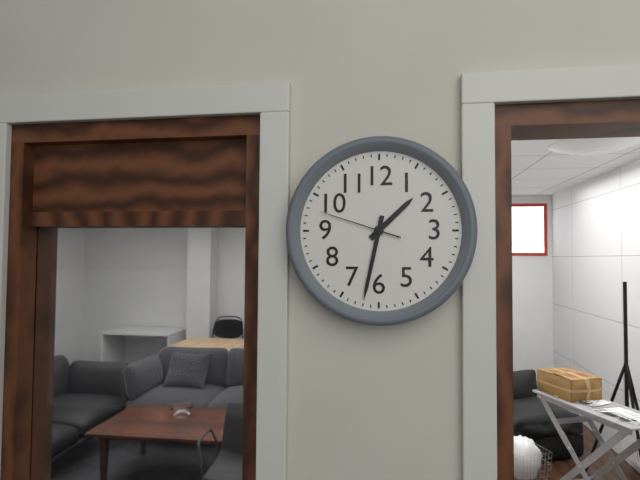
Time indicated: 1,32,48
